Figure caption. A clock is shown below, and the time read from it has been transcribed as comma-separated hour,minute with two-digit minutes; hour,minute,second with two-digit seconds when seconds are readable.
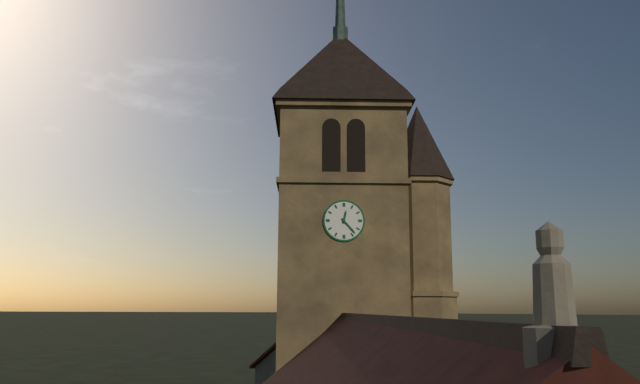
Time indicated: 12,23
